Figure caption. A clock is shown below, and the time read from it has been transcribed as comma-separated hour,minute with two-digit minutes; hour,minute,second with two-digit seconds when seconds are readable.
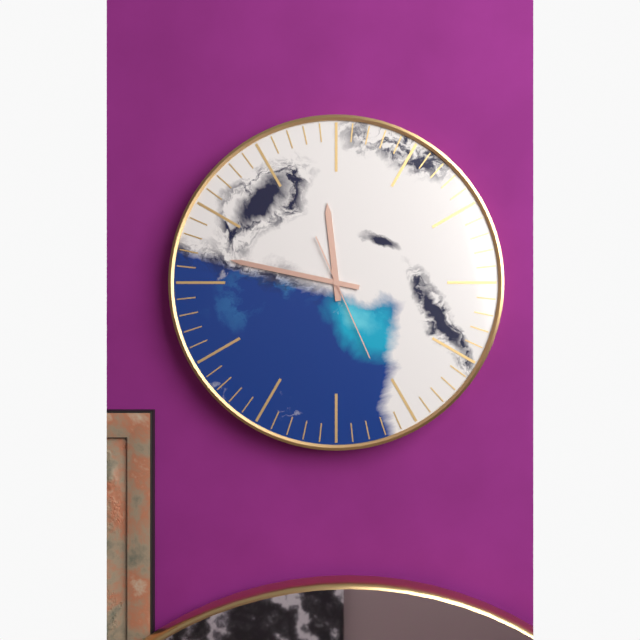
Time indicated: 11,47,26
